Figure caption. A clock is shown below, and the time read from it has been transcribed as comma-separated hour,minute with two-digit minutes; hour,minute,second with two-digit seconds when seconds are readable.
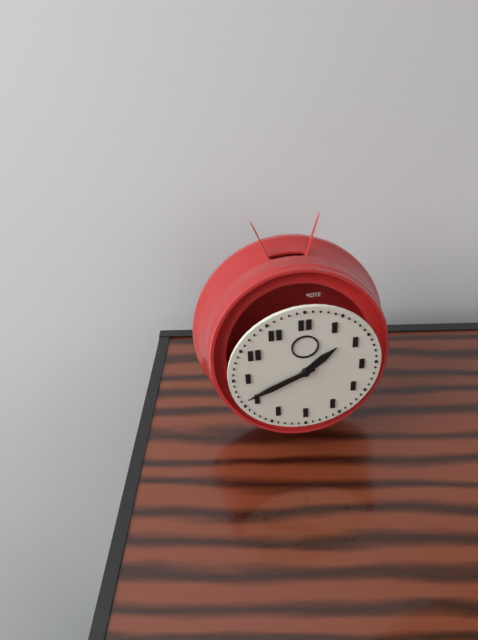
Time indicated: 1,41
